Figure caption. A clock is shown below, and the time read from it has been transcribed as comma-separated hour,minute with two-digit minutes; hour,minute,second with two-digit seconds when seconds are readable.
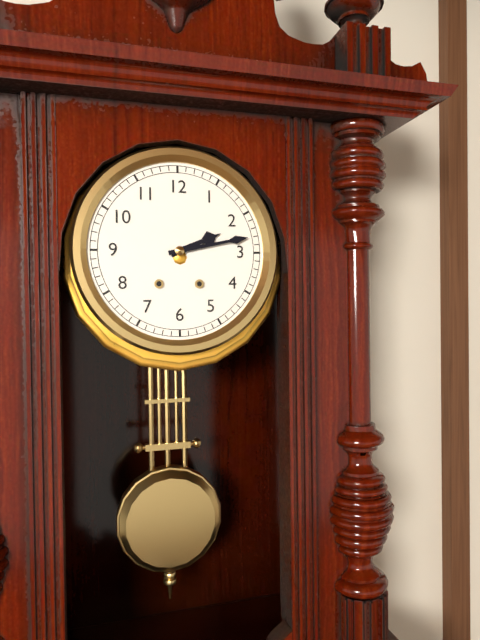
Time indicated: 2,13
